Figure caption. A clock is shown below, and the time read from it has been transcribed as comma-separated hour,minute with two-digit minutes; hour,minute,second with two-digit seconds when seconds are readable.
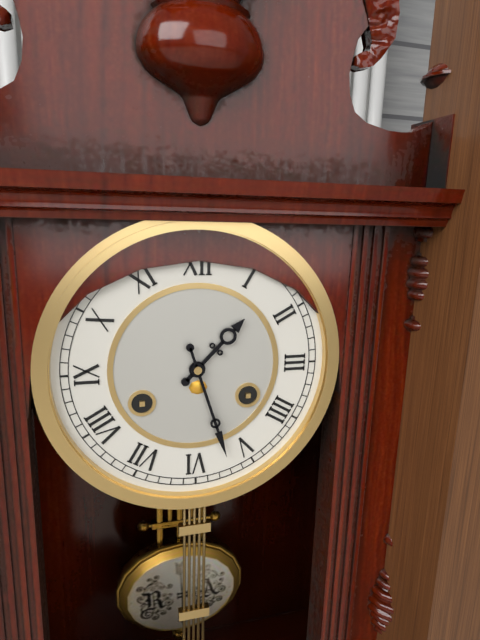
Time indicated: 1,27
